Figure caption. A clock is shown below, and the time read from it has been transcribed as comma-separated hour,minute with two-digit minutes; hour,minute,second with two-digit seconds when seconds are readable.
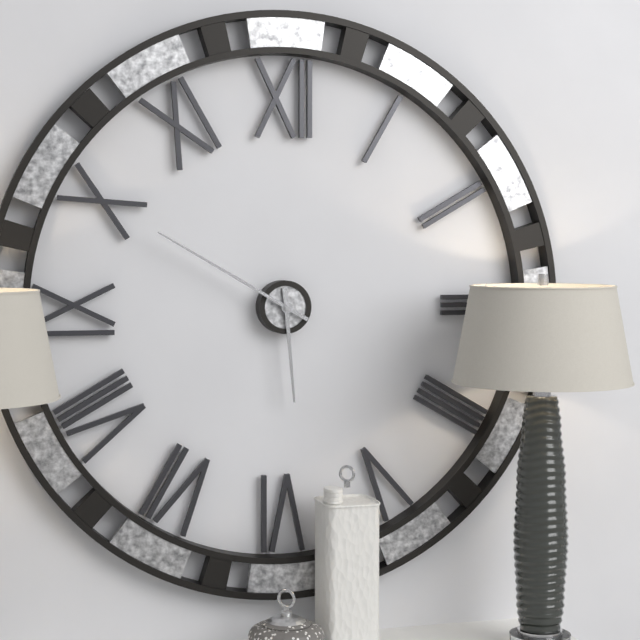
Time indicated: 5,50
